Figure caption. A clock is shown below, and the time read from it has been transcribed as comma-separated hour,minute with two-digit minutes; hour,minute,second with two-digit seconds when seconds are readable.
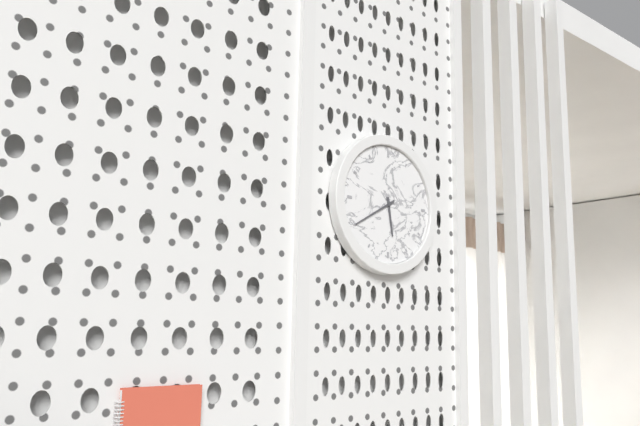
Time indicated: 5,40
